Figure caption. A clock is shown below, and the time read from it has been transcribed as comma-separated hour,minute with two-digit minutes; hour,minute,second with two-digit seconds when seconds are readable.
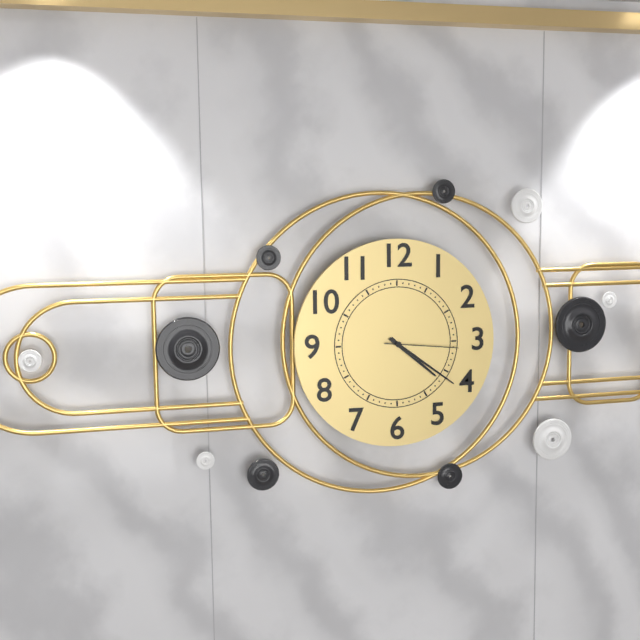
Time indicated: 4,21,16
